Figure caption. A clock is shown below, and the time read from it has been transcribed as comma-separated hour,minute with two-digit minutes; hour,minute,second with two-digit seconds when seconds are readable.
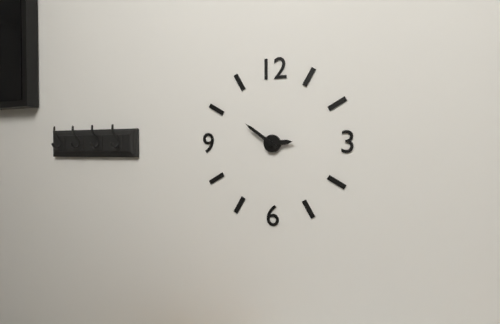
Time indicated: 2,51
